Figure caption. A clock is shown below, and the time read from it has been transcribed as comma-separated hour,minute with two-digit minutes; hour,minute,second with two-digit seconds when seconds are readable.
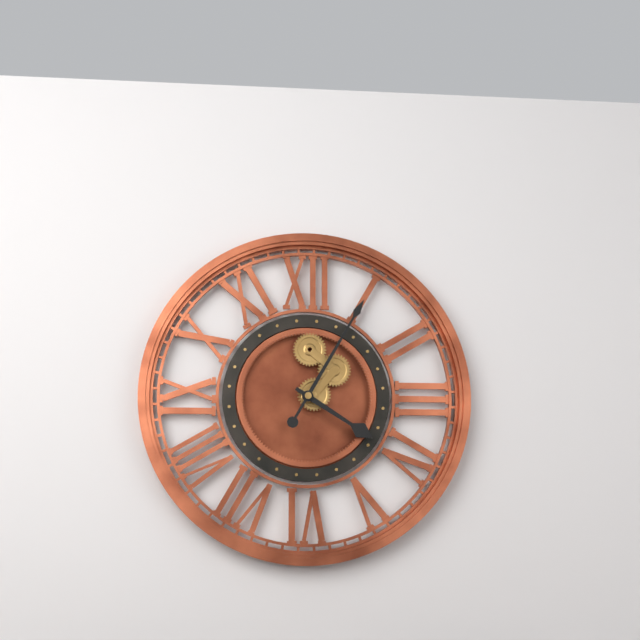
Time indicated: 4,05
